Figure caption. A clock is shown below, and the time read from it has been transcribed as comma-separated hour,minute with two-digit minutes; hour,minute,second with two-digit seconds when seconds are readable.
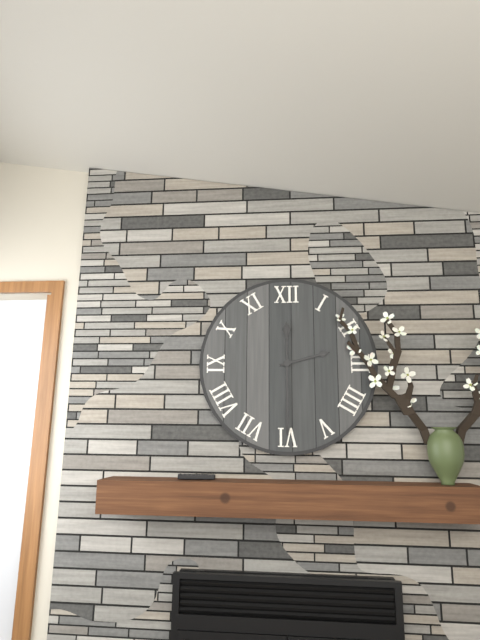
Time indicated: 2,30
